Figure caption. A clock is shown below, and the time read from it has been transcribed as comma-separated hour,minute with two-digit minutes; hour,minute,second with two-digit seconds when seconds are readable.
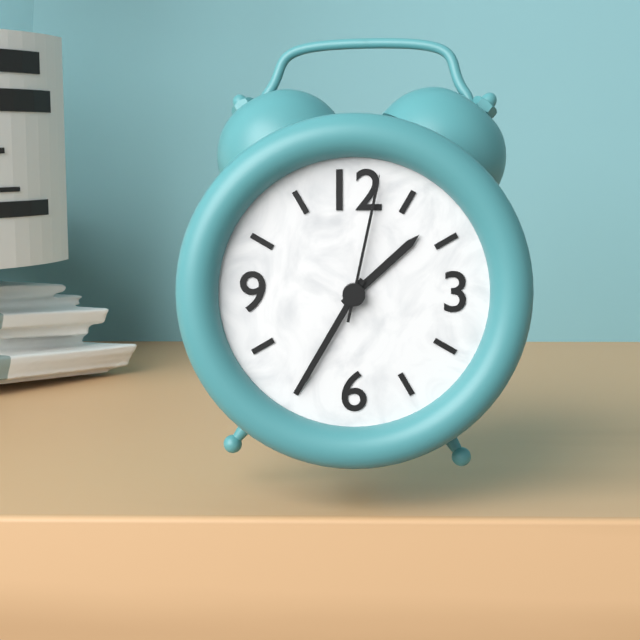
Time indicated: 1,35,02
